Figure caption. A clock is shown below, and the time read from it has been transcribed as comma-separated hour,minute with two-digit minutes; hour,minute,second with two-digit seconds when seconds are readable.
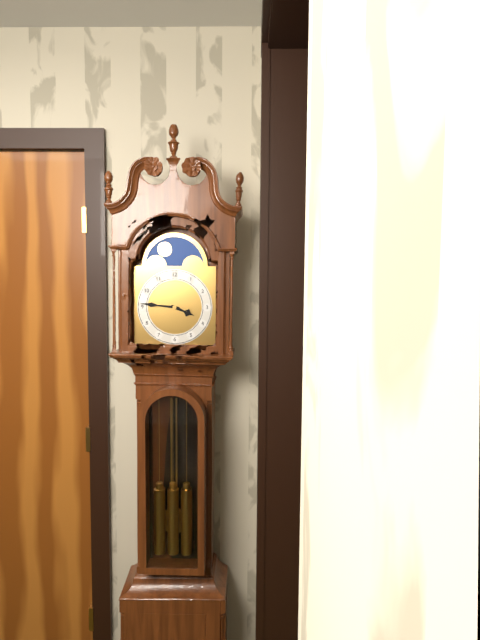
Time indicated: 3,46
